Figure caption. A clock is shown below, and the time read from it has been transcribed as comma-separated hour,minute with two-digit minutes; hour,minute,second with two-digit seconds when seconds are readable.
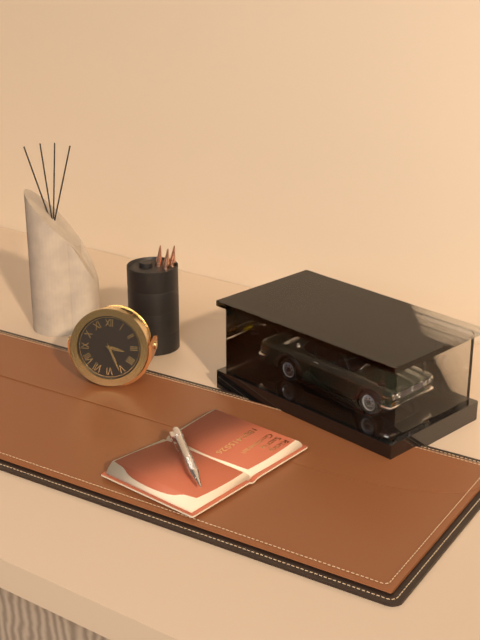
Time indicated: 3,26
